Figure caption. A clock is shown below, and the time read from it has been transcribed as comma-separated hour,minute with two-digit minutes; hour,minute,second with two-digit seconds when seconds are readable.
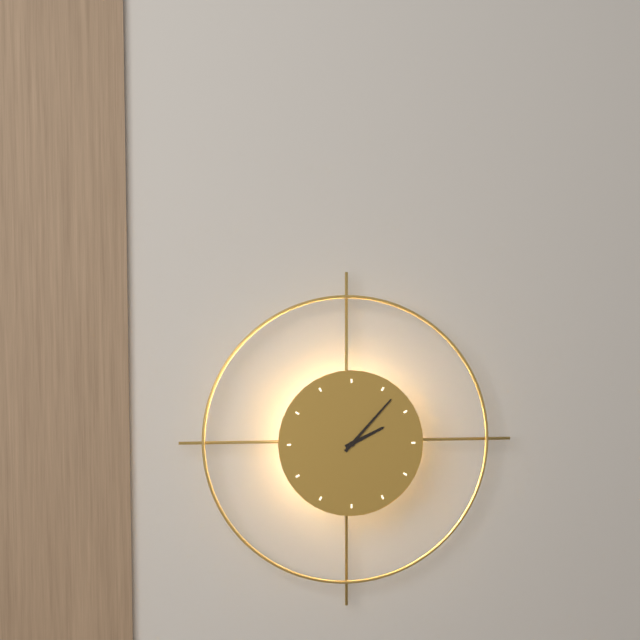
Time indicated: 2,07
